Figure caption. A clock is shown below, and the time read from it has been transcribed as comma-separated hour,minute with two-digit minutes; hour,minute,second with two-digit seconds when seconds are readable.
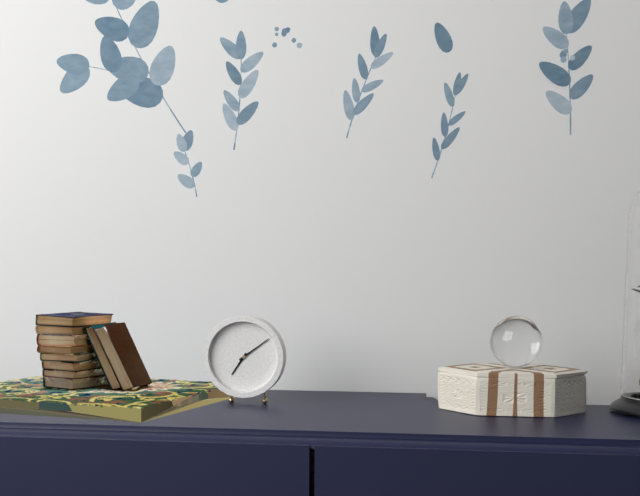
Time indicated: 7,09
